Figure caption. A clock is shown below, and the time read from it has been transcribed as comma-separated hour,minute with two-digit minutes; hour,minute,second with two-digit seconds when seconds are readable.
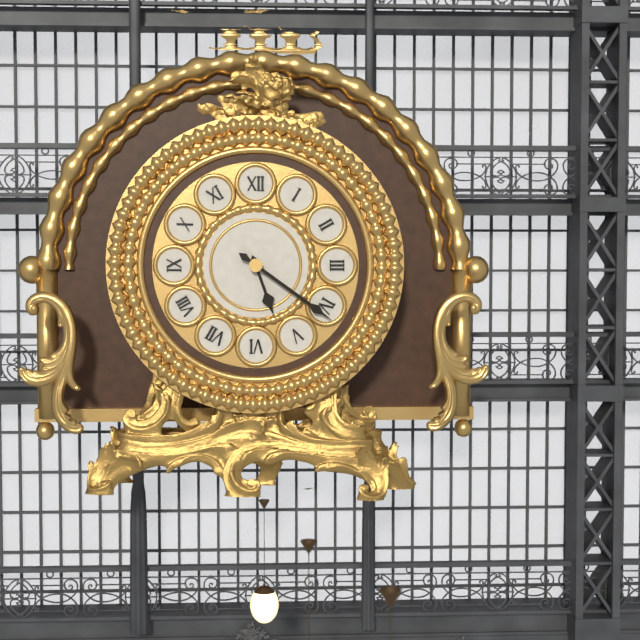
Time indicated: 5,21
